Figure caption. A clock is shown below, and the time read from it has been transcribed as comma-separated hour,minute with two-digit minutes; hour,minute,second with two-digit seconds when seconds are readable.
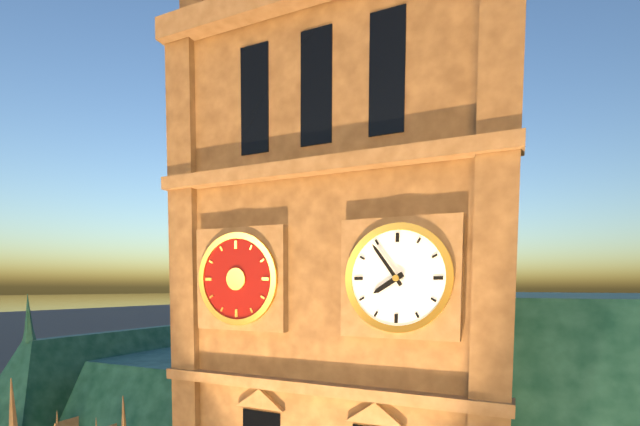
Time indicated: 7,54
